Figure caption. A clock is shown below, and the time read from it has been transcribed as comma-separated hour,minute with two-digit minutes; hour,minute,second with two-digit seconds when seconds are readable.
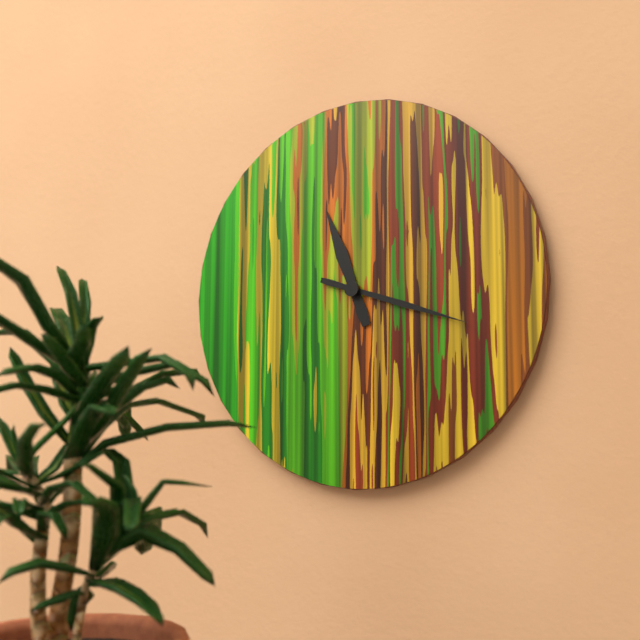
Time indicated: 11,18
